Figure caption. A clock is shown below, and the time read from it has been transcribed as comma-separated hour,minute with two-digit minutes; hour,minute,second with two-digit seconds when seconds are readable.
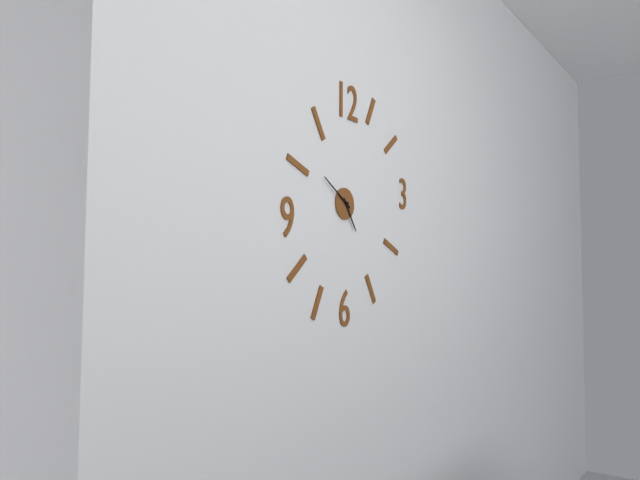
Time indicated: 4,50
